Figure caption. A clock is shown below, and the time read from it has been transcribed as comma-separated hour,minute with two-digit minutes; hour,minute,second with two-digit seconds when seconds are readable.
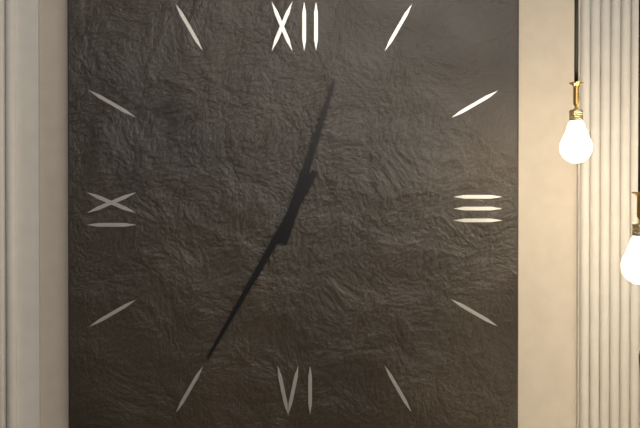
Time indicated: 12,35
